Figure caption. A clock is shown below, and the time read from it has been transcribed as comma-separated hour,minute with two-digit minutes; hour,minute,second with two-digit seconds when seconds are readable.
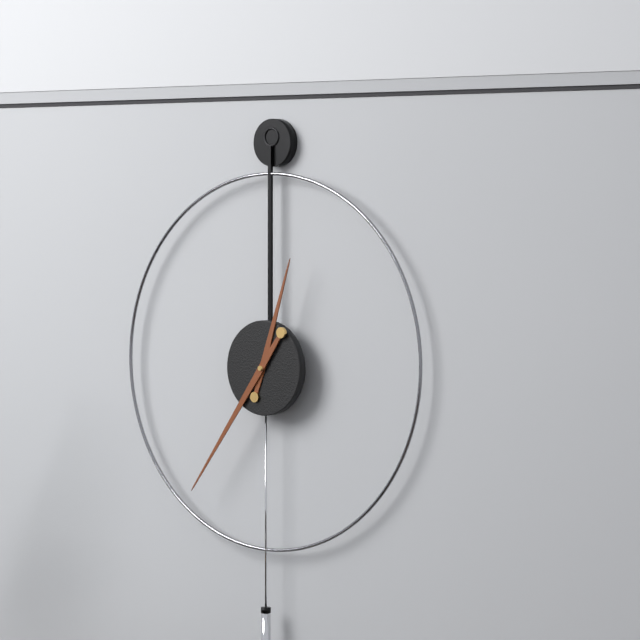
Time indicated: 12,36
